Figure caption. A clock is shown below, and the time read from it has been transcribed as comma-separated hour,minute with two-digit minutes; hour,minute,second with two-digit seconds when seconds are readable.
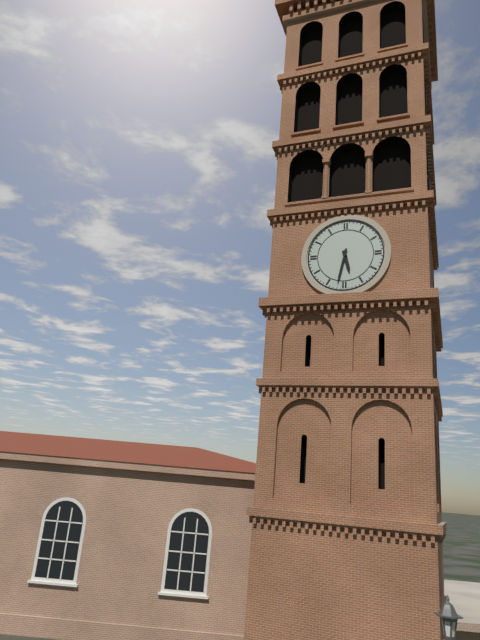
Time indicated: 5,32
